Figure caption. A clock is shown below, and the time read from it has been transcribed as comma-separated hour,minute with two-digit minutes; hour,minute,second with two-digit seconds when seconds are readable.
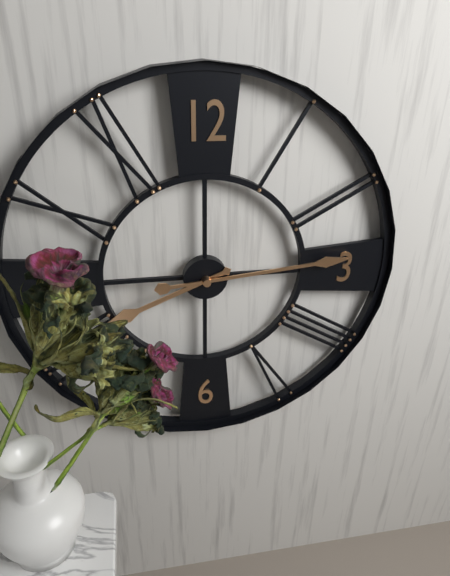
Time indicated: 8,14
